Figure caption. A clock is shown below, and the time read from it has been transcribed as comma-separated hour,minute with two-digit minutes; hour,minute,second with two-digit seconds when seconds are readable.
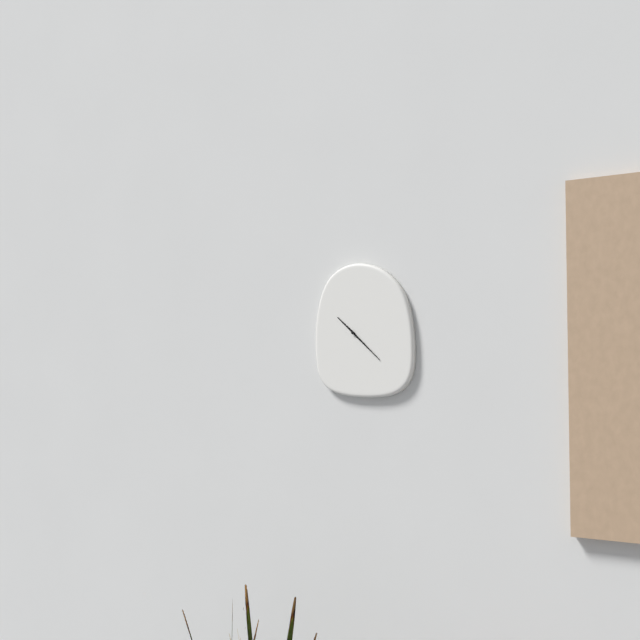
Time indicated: 10,22
